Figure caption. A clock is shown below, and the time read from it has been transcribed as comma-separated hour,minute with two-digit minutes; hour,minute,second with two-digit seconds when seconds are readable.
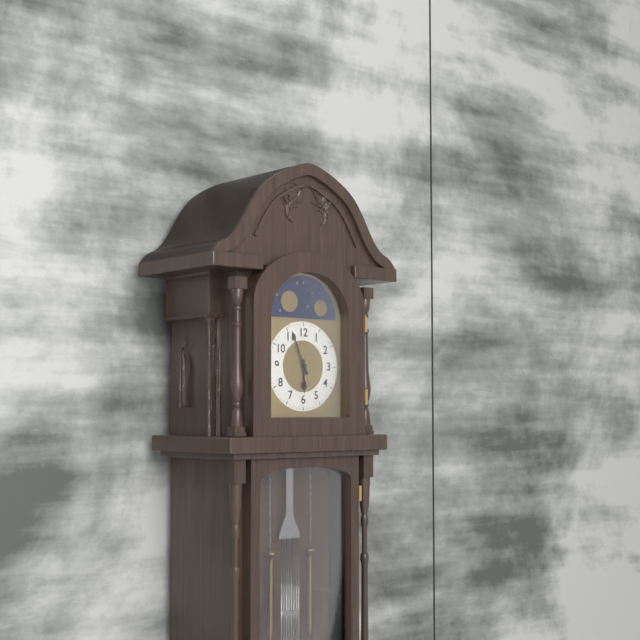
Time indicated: 5,56
